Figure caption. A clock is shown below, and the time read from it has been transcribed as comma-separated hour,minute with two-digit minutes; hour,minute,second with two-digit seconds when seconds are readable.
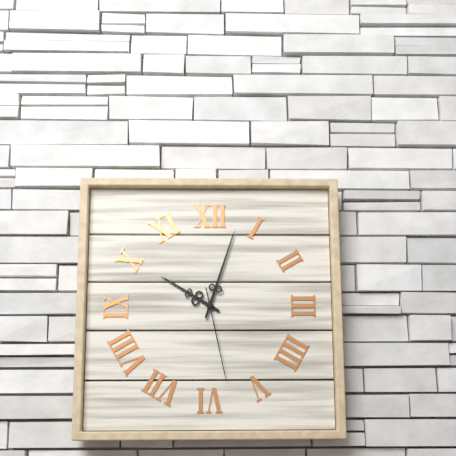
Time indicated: 10,03,28
